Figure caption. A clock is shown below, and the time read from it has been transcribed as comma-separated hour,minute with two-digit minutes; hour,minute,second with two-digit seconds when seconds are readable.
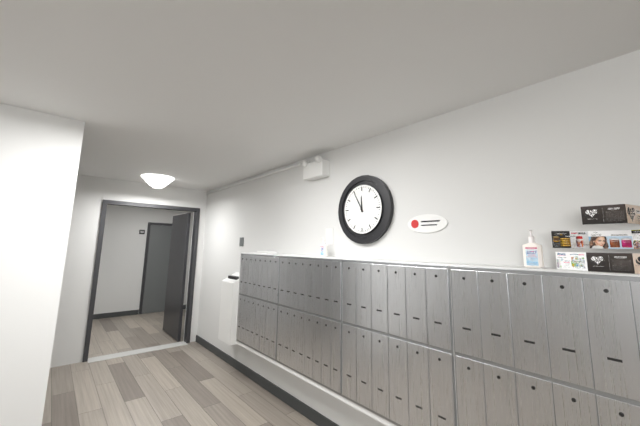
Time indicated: 11,55
